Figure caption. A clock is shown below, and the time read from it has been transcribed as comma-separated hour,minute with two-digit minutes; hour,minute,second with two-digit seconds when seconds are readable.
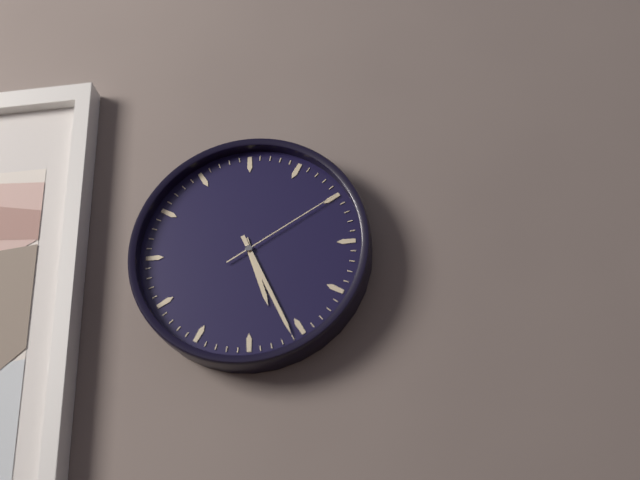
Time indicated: 5,26,10
